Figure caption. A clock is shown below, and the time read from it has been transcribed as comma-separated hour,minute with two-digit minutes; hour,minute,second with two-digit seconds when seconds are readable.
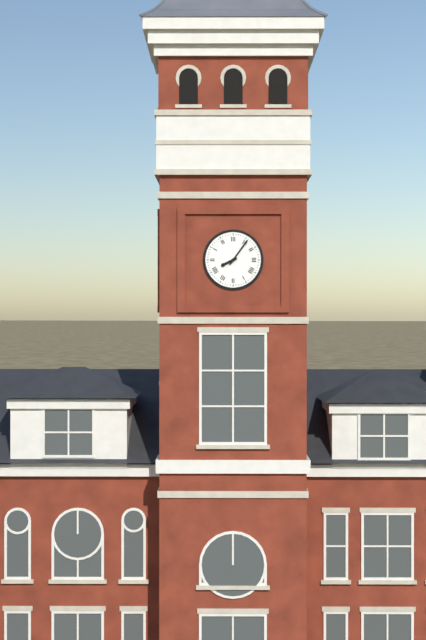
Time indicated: 8,06
